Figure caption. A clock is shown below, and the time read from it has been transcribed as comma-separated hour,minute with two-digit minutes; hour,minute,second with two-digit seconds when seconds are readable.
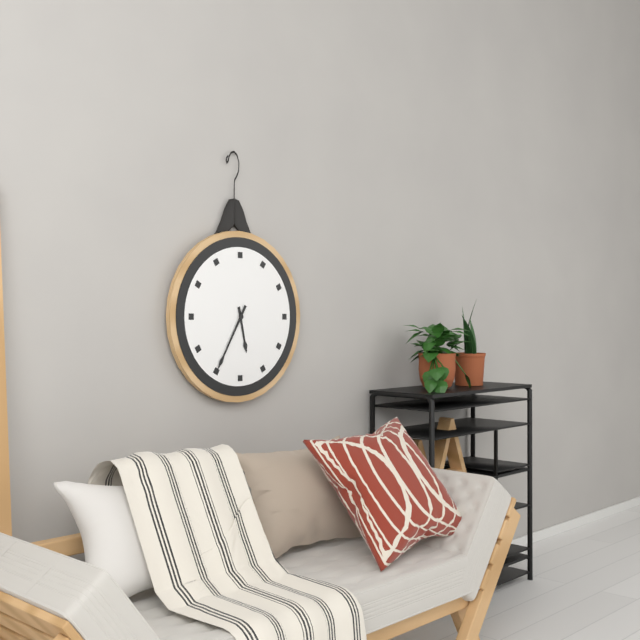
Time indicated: 5,35
